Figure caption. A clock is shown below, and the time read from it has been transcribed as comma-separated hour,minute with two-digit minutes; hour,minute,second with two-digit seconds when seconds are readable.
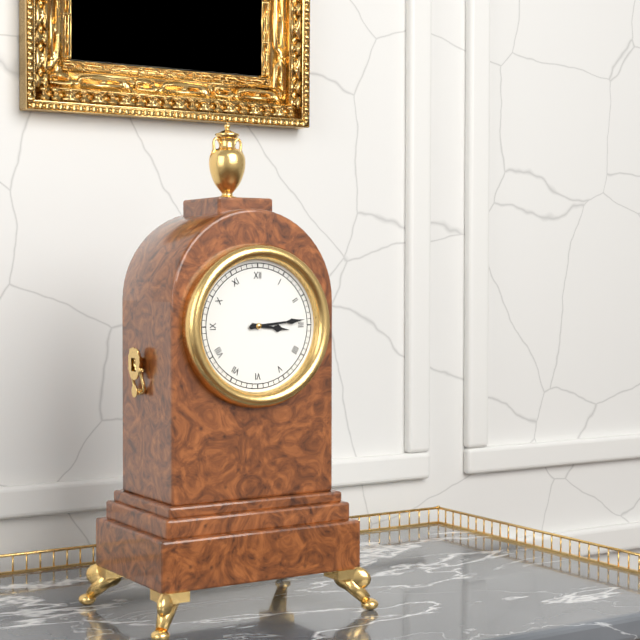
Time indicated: 3,14
